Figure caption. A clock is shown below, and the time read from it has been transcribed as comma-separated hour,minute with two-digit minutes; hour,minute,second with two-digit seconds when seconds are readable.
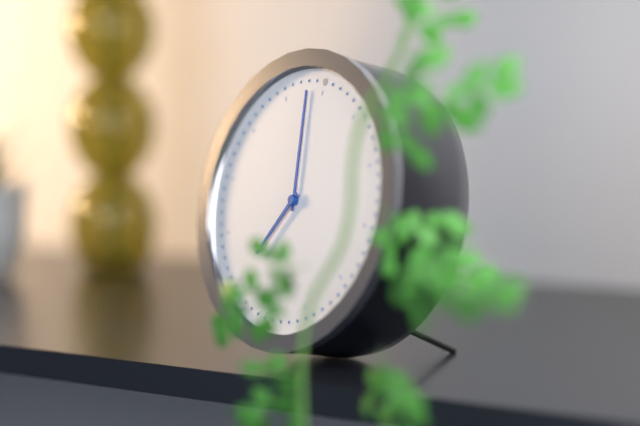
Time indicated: 6,58
